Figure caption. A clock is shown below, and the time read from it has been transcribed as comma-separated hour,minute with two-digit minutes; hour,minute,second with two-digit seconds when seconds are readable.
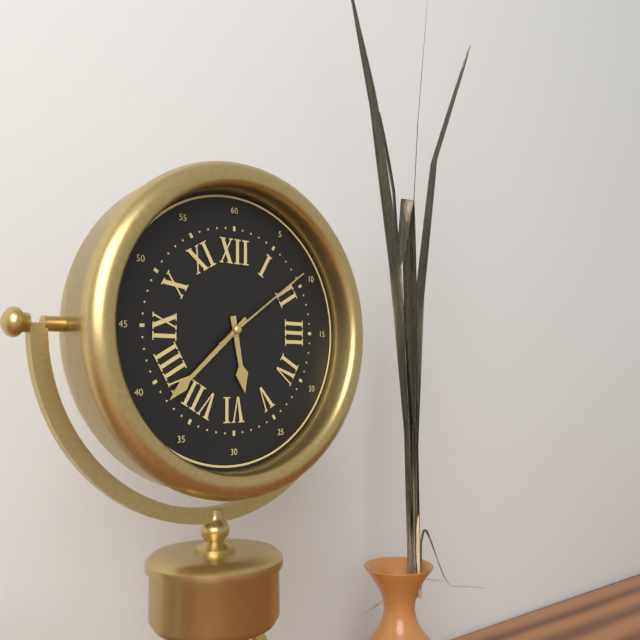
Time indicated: 5,38,09
